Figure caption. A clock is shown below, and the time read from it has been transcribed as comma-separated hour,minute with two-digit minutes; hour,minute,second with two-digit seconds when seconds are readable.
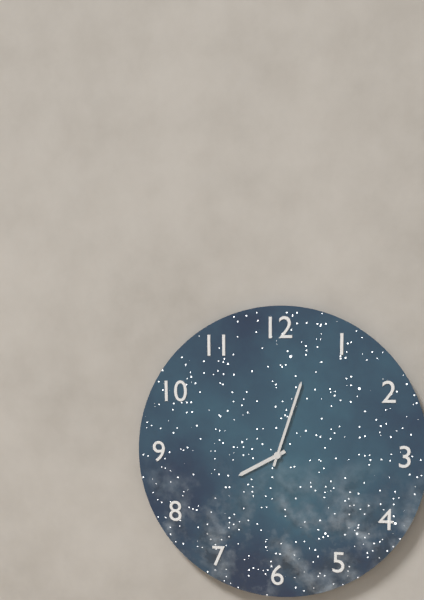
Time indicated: 8,03
